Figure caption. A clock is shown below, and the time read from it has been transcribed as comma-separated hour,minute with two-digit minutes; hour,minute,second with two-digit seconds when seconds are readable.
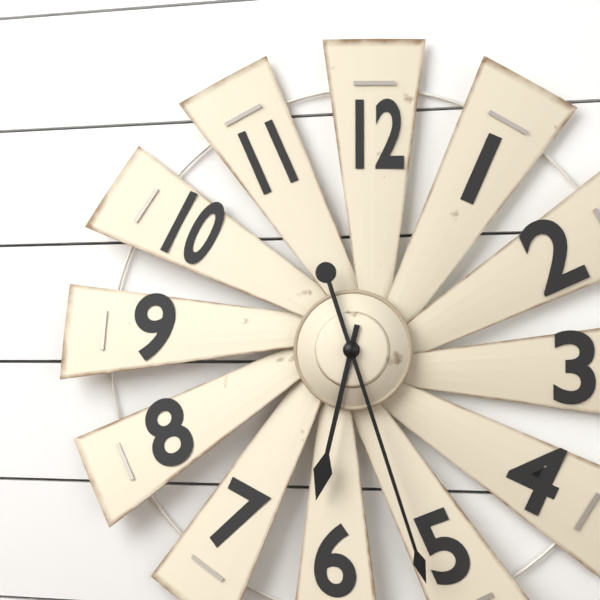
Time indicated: 6,27
